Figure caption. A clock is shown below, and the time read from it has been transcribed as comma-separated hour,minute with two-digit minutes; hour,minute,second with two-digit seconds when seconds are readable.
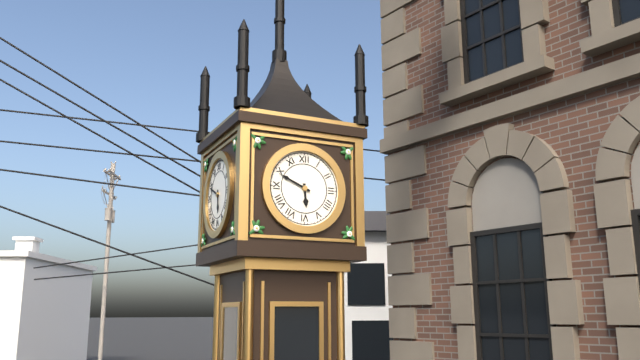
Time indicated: 5,49
